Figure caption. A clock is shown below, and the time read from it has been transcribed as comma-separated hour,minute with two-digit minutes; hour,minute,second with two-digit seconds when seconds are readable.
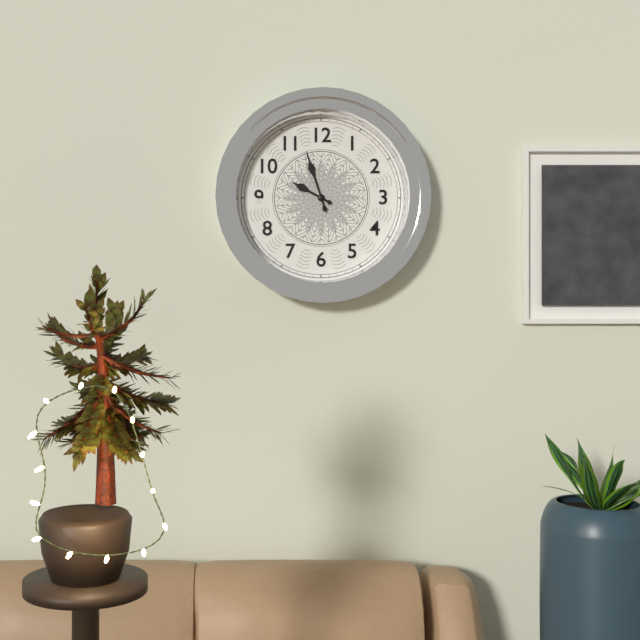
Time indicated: 9,57
